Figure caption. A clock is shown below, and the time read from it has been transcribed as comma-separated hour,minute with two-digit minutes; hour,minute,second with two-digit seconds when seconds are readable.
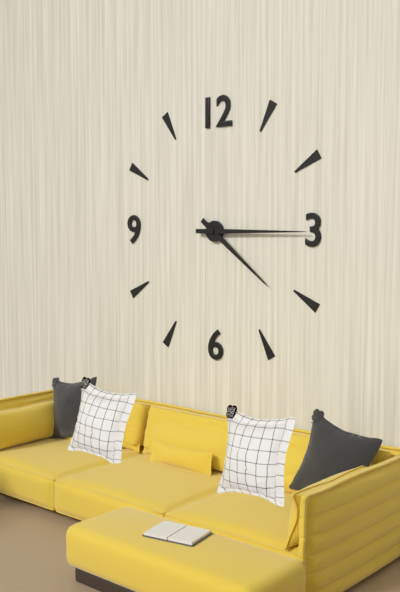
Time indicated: 4,15
